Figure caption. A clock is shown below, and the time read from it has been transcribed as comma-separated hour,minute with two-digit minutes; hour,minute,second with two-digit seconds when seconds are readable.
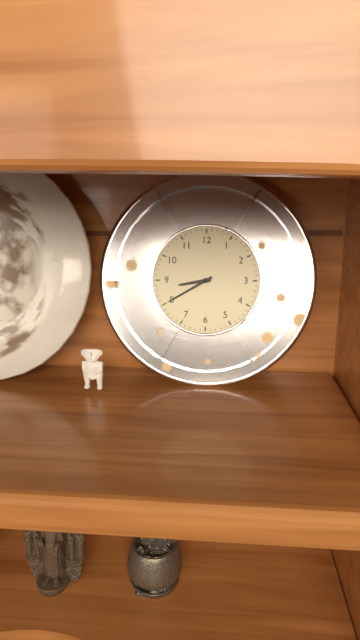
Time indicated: 8,40
